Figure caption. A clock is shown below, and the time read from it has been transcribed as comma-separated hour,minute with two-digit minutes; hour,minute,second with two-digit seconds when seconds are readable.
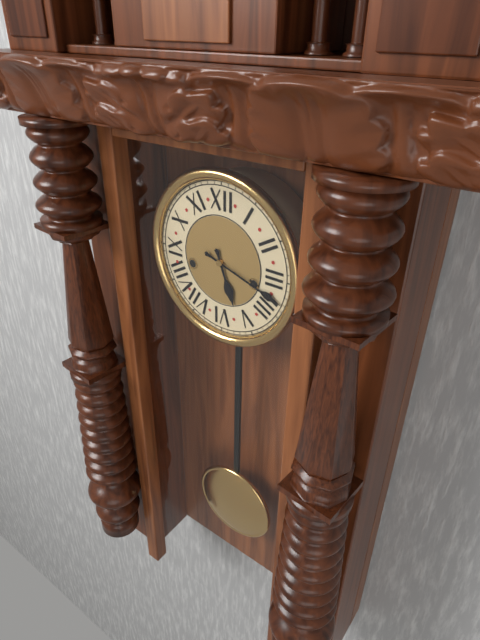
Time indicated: 5,18
